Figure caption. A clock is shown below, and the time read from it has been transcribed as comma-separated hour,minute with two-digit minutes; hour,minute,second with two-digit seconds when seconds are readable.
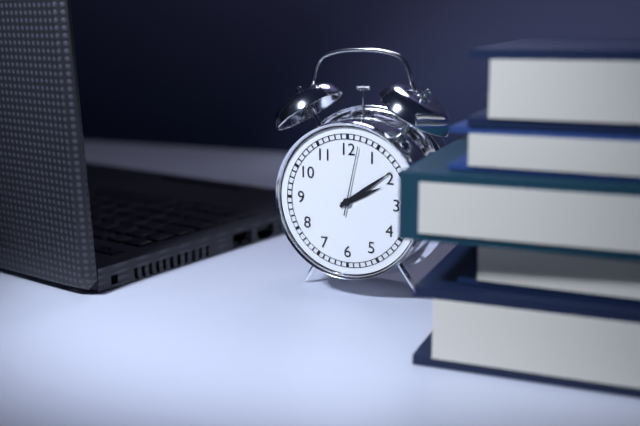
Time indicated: 2,09,02
